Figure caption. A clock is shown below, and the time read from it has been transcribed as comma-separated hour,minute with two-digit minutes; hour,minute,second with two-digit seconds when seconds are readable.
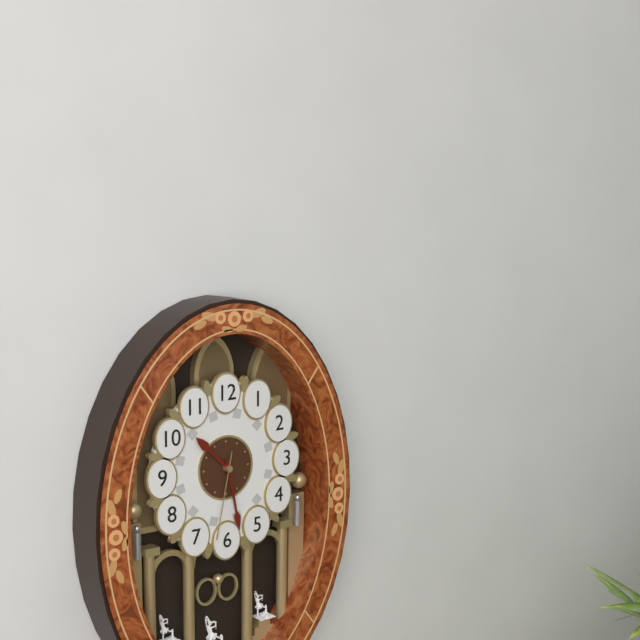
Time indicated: 10,28,32
